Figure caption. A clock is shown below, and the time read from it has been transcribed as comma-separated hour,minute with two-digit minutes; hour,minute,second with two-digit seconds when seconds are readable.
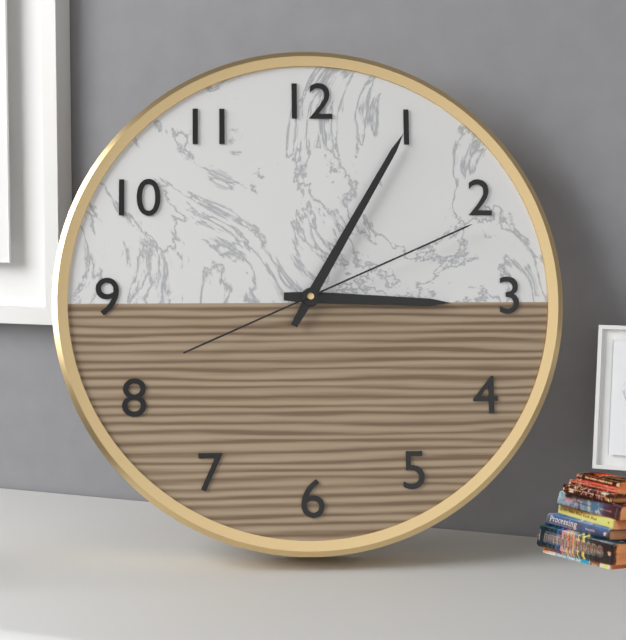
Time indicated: 3,05,11
